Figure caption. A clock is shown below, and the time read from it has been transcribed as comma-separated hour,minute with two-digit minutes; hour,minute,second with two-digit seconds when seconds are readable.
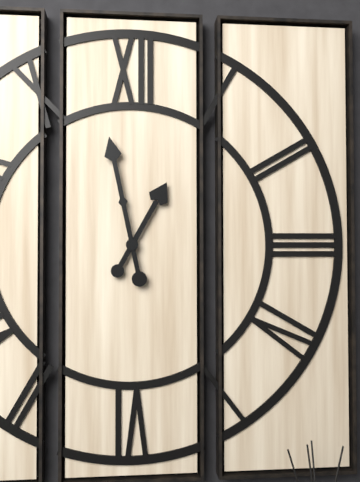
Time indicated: 12,58
